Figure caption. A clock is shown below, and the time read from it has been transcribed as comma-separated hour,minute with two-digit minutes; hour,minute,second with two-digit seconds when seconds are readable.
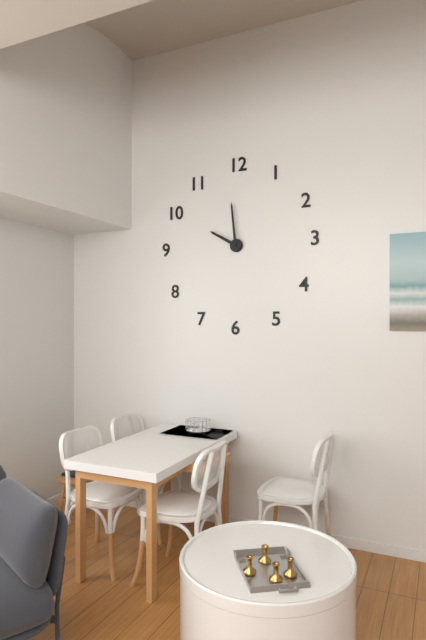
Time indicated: 9,59
